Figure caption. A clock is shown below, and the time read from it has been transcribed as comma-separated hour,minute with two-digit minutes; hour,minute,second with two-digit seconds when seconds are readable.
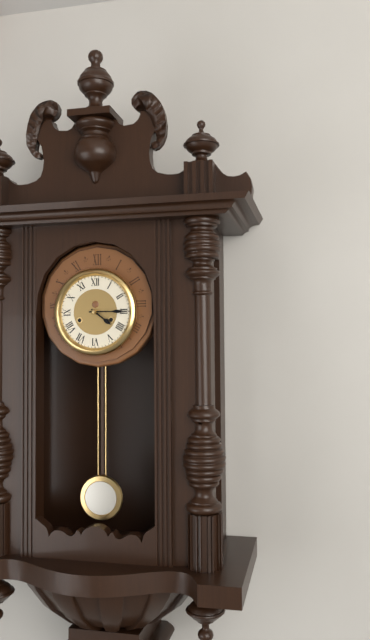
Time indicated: 4,15
